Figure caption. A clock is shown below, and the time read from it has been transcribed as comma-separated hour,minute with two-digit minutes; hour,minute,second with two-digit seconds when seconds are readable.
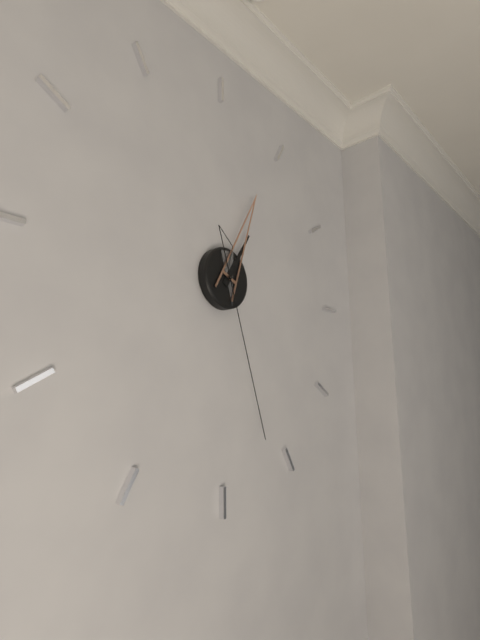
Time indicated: 1,04,27
